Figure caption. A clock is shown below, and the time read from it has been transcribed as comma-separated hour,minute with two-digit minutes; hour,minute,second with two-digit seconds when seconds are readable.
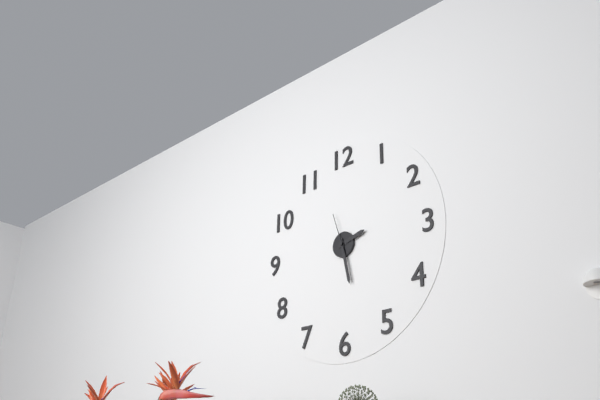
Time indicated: 2,28
